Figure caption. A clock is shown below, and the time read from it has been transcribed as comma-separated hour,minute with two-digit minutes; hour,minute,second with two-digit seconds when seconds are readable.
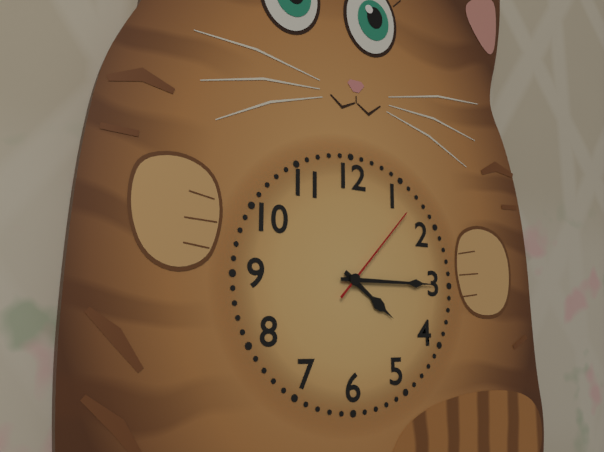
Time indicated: 4,15,07
